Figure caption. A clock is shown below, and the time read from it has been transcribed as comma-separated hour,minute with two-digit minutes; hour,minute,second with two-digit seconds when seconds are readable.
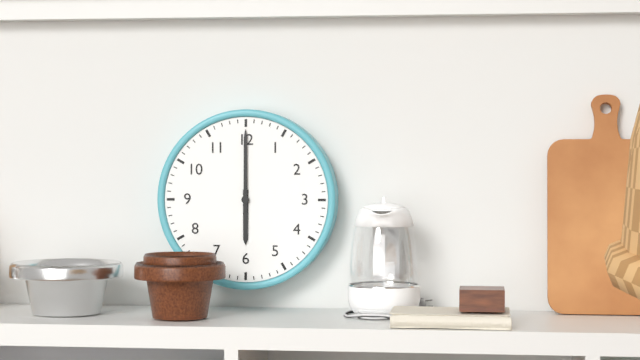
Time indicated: 6,00
